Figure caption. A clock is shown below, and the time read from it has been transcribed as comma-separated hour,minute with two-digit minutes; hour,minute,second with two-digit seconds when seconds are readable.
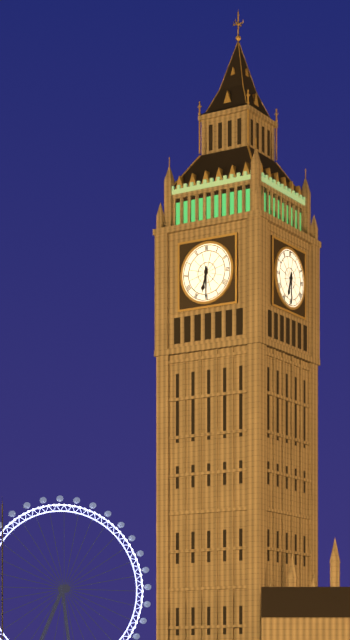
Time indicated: 6,30
